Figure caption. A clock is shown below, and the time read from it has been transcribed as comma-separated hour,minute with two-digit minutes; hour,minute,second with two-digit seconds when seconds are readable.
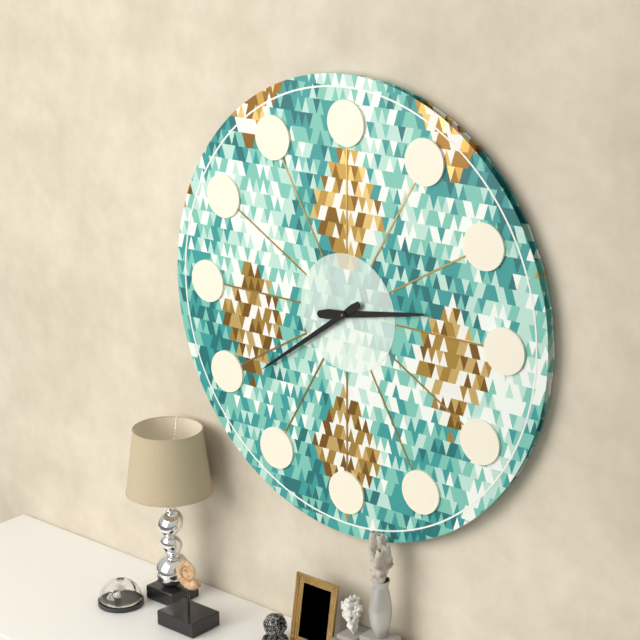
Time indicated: 2,39
